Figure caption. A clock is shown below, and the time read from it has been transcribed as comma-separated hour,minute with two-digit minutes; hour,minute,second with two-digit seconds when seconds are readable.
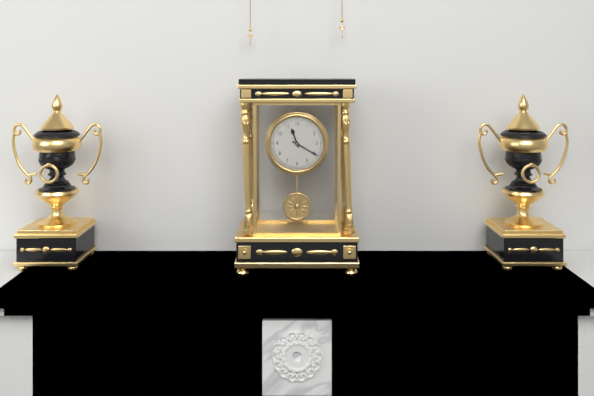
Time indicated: 11,20
